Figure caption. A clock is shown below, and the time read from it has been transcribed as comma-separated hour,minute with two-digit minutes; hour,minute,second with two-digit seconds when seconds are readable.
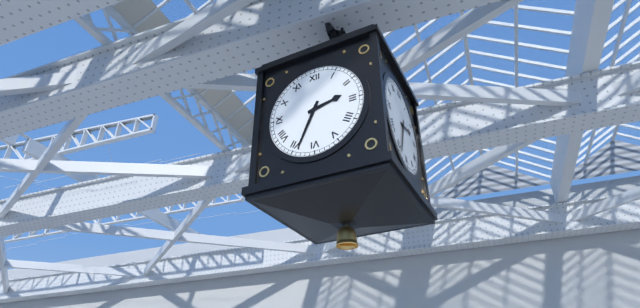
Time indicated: 2,34
